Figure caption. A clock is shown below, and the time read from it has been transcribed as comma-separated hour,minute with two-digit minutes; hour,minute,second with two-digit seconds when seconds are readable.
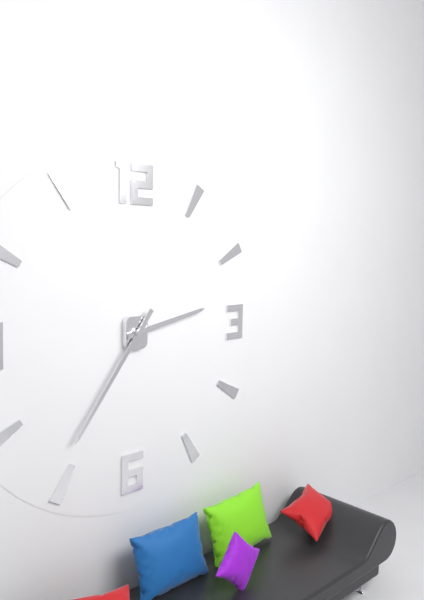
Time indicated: 2,36
